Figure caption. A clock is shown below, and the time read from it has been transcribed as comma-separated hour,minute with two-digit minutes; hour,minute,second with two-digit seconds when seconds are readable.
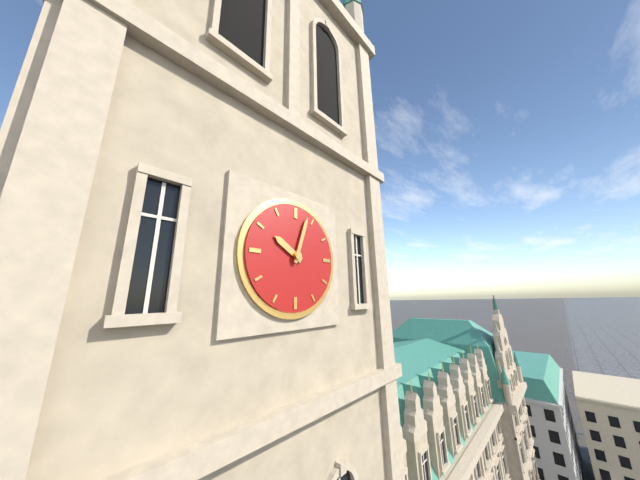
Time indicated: 10,03
